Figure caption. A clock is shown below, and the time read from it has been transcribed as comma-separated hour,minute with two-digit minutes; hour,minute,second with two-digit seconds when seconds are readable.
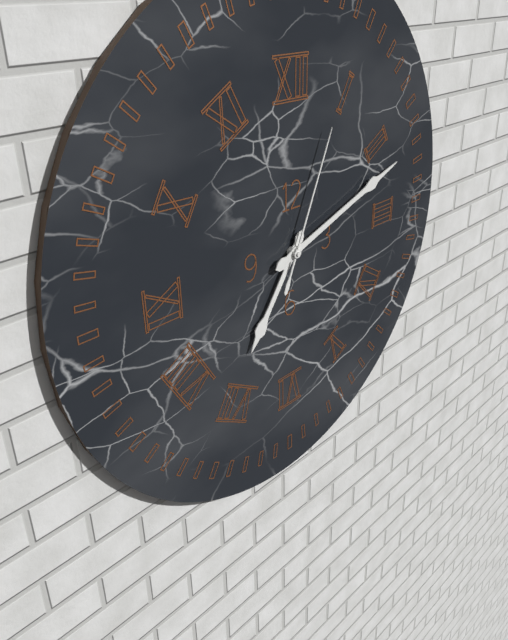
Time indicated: 7,12,04
